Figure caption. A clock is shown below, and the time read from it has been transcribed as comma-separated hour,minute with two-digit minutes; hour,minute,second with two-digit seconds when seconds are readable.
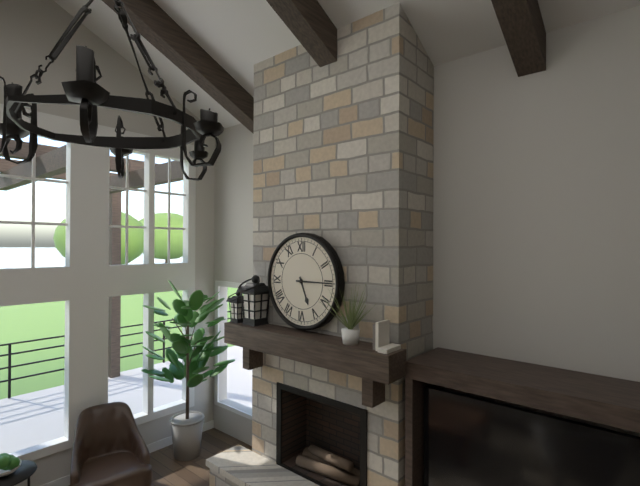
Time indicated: 5,15
